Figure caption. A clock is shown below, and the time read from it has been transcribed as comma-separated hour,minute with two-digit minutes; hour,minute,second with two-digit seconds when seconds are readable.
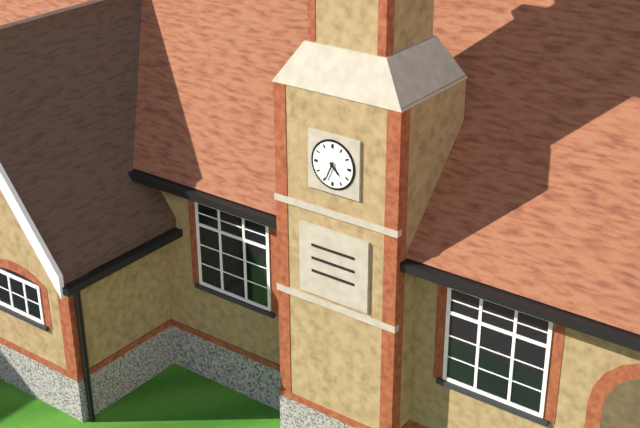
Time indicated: 4,34
